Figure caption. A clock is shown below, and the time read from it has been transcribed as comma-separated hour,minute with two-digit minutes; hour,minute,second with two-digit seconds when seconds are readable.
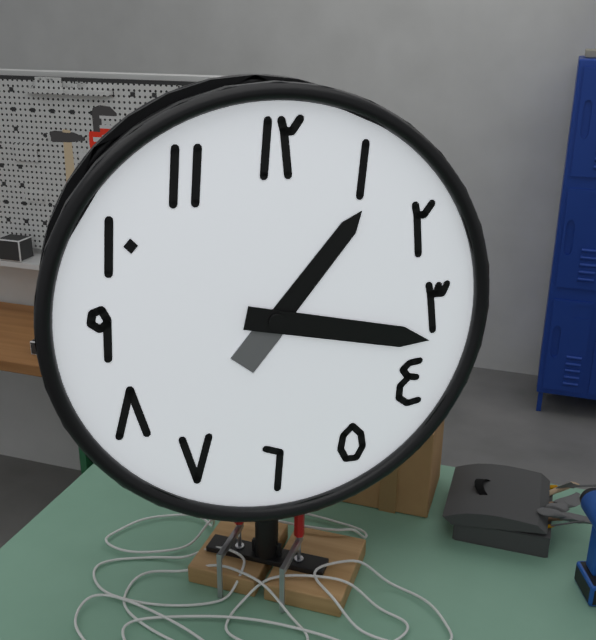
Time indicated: 1,17
